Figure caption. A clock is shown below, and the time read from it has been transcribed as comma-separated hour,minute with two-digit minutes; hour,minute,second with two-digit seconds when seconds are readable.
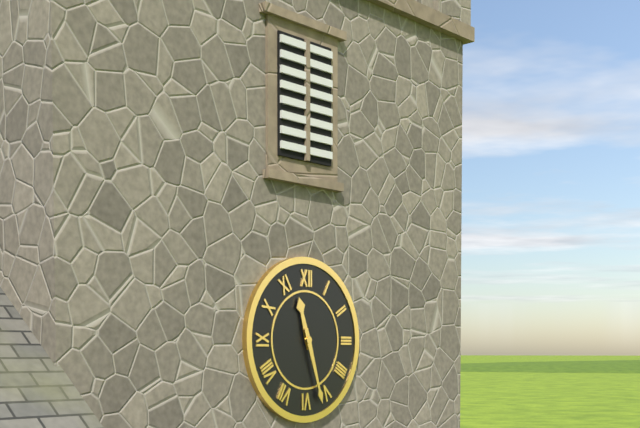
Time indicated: 11,27
